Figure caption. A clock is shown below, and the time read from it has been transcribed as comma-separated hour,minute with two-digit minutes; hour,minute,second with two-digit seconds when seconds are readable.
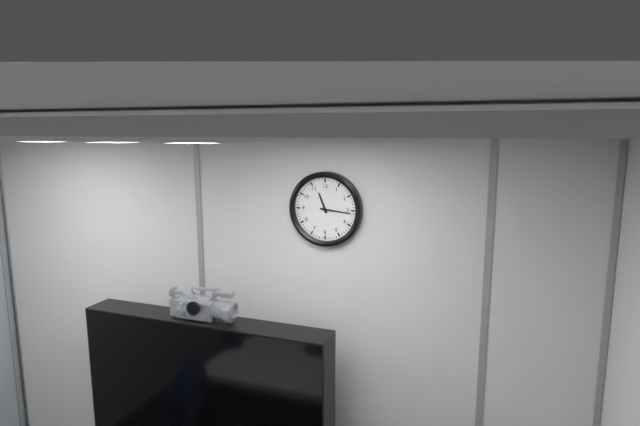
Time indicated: 11,16
